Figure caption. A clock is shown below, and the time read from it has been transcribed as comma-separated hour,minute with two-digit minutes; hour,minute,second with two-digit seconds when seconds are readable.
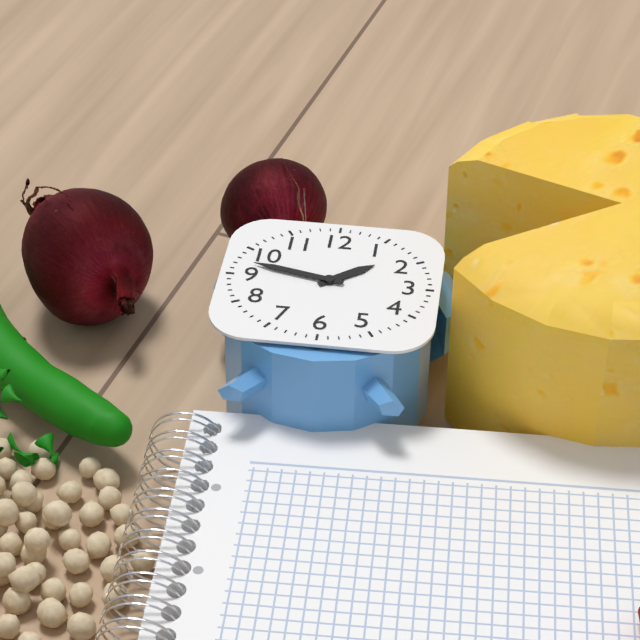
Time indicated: 1,47
